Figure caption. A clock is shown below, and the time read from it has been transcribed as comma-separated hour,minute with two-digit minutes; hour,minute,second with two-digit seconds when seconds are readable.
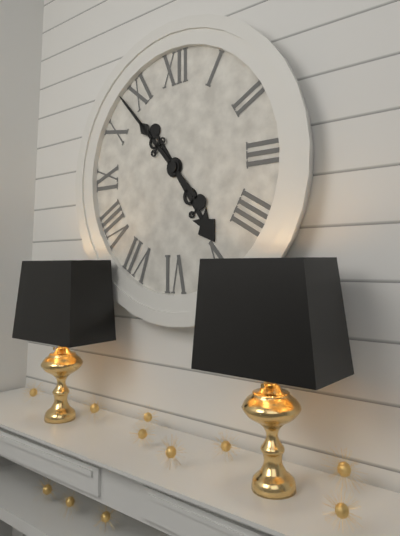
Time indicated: 4,53
